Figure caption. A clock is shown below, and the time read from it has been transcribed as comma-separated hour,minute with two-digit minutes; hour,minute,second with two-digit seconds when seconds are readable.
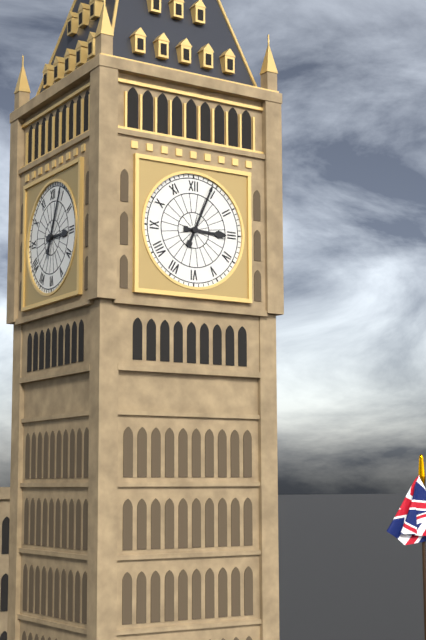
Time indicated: 3,04
